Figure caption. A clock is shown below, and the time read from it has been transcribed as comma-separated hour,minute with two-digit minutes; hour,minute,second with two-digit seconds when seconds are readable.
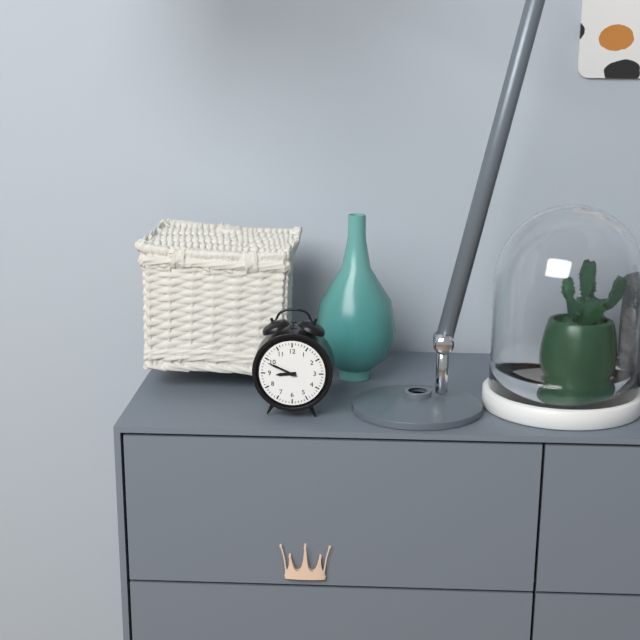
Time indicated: 8,49
